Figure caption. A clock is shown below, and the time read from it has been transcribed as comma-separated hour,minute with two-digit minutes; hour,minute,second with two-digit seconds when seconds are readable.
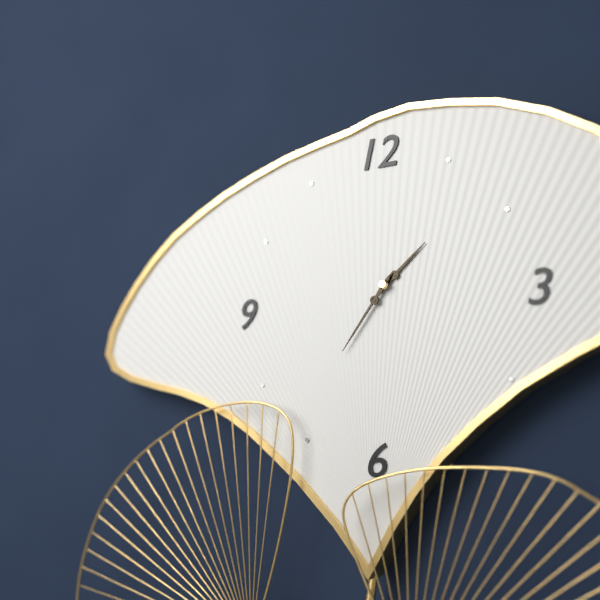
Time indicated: 1,36
